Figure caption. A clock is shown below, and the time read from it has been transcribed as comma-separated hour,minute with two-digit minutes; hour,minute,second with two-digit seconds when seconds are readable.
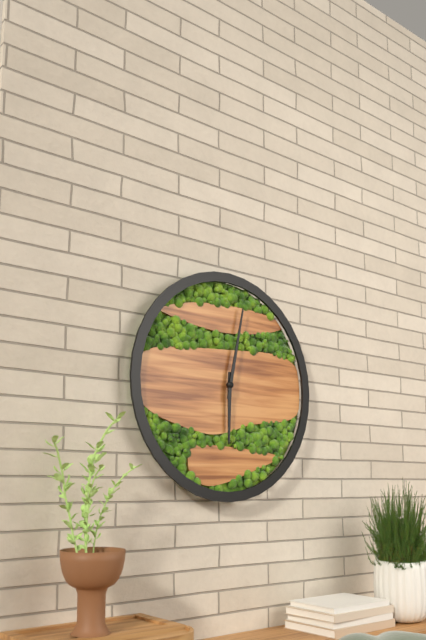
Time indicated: 6,02
